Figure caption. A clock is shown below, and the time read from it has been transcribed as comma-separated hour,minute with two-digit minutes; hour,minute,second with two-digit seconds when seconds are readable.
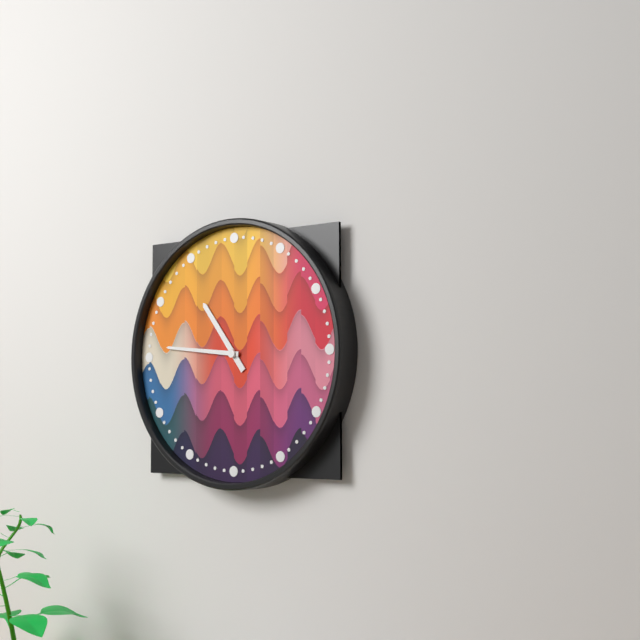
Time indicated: 10,46
